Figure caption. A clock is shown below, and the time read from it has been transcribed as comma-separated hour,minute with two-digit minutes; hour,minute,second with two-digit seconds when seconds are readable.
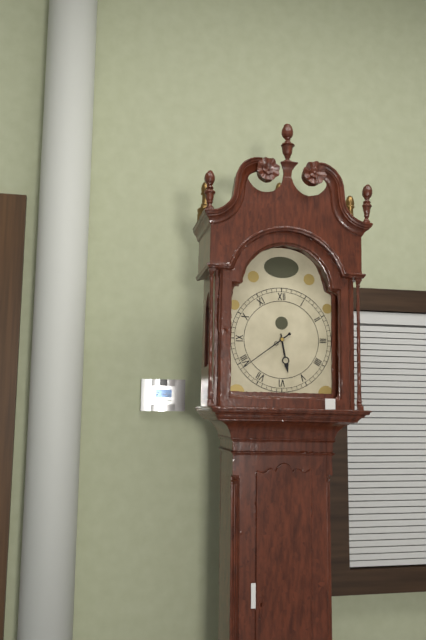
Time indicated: 5,39
